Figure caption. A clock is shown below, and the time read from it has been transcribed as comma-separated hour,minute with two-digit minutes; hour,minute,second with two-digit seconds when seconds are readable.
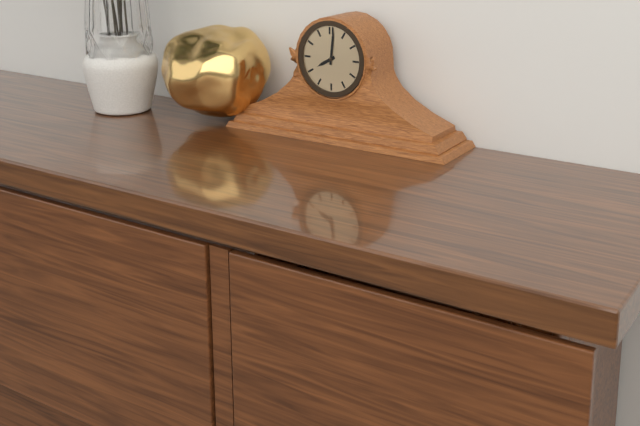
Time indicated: 8,01
